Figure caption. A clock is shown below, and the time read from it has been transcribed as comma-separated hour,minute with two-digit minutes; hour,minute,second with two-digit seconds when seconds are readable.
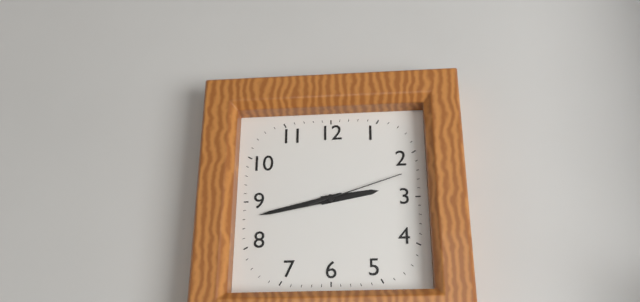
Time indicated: 2,43,12
